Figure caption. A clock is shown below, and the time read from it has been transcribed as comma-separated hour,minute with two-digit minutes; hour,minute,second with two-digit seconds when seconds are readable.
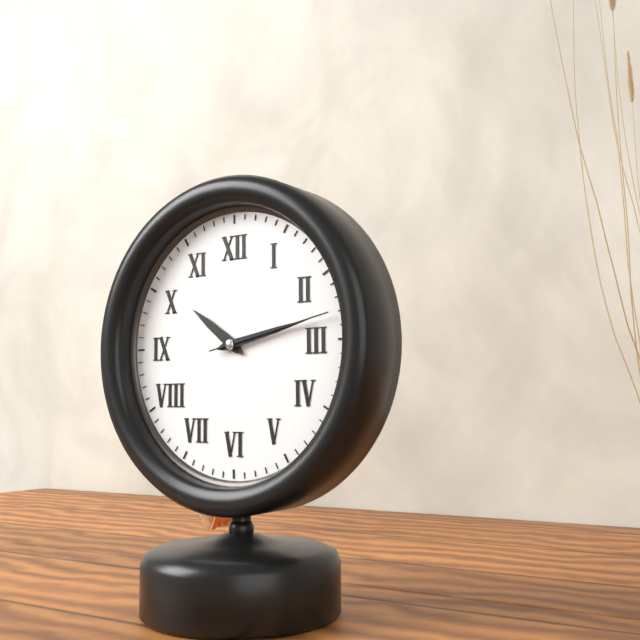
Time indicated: 10,13,13
